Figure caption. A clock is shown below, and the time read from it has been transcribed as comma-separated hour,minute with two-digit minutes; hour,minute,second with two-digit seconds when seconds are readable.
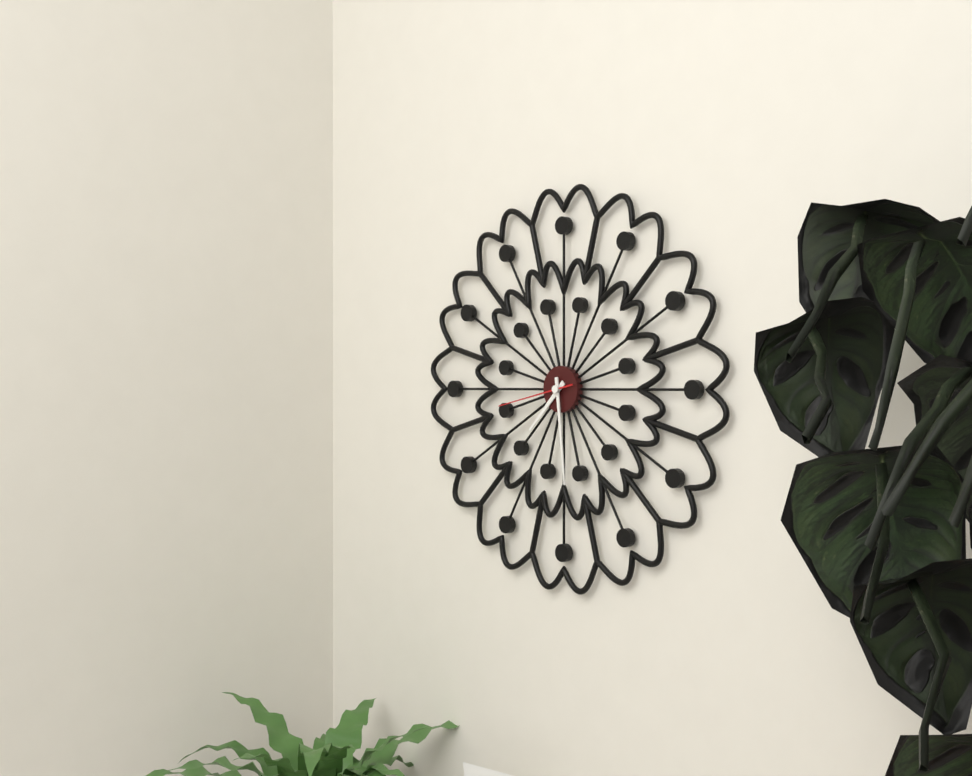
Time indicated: 7,29,43
